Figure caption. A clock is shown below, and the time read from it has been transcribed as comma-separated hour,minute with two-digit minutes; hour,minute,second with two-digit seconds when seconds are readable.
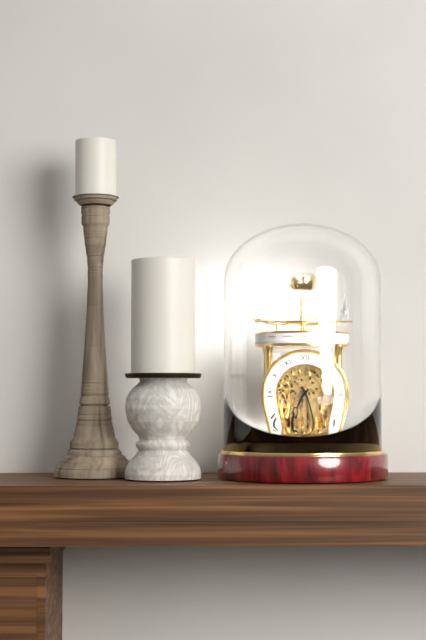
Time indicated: 7,25
